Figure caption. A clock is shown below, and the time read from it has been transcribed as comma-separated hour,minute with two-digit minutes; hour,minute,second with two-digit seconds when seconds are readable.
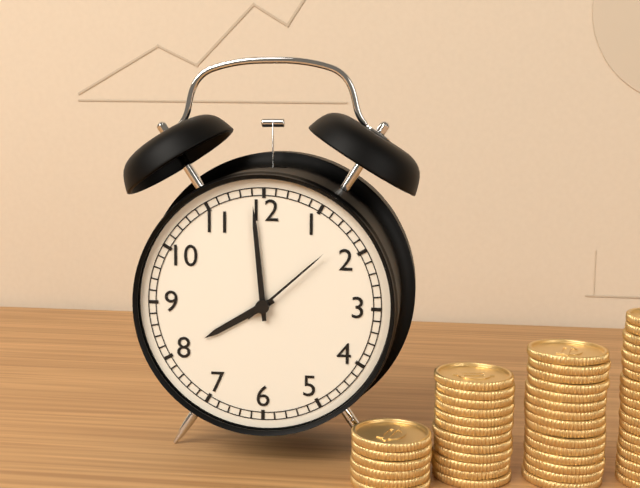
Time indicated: 7,59,08
